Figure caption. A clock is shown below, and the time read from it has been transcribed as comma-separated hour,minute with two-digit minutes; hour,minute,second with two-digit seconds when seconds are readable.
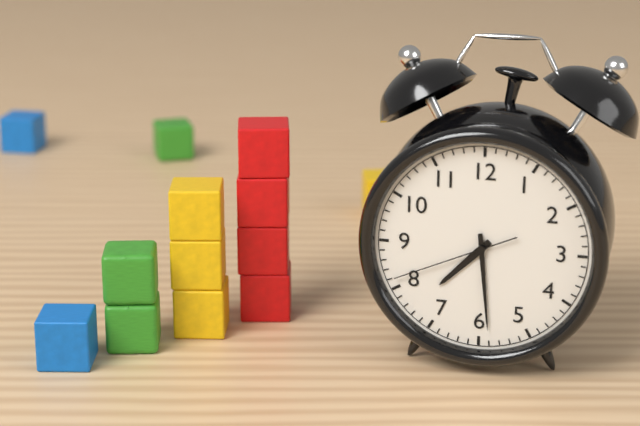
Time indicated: 7,29,41
